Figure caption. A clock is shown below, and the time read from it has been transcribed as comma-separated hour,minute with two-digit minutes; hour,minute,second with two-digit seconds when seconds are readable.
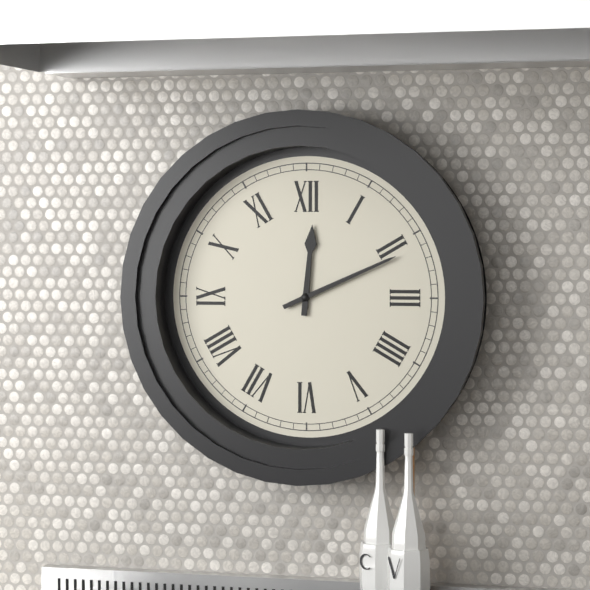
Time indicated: 12,11
